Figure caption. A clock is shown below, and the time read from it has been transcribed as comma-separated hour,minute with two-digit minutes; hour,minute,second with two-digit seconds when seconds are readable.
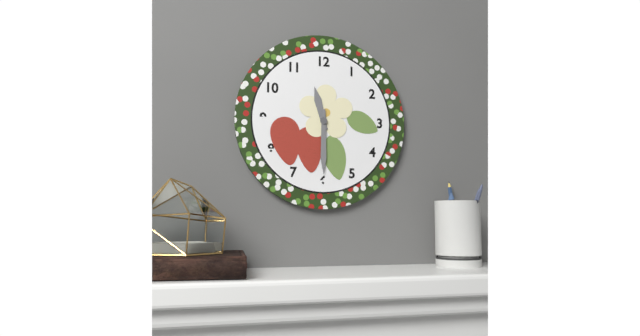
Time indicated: 11,30
